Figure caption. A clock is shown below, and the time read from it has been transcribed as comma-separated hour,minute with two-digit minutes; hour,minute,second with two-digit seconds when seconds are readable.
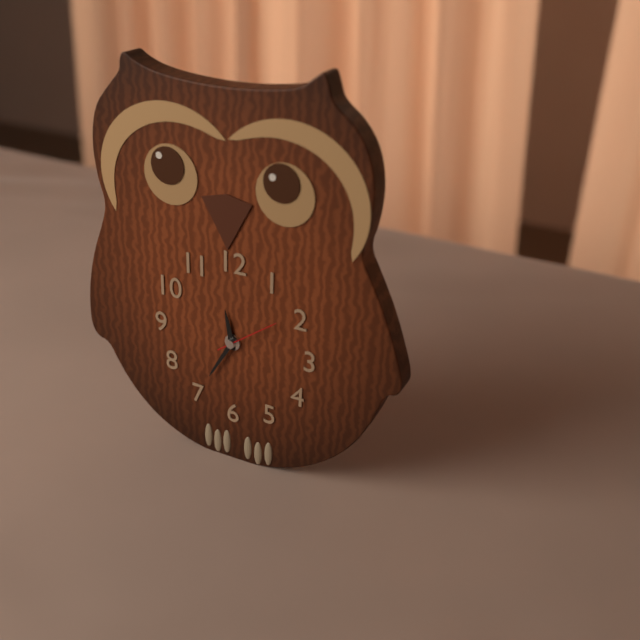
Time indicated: 11,35
